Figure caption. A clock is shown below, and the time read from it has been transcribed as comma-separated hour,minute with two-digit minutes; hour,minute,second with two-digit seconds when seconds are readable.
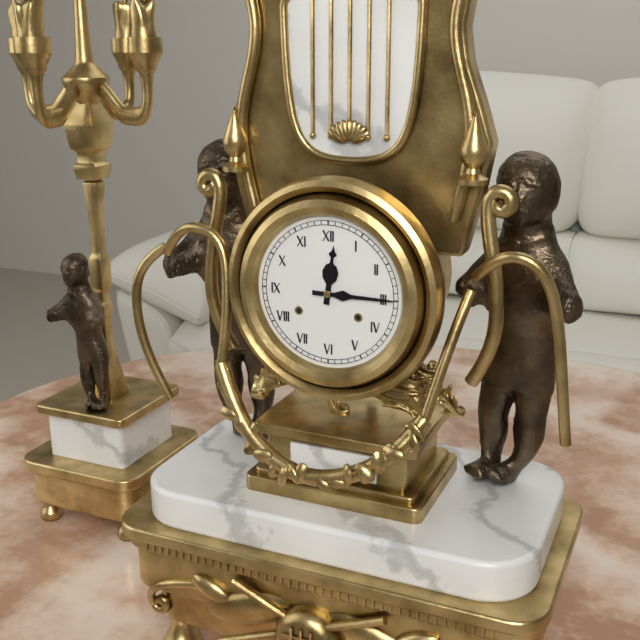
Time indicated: 12,15
